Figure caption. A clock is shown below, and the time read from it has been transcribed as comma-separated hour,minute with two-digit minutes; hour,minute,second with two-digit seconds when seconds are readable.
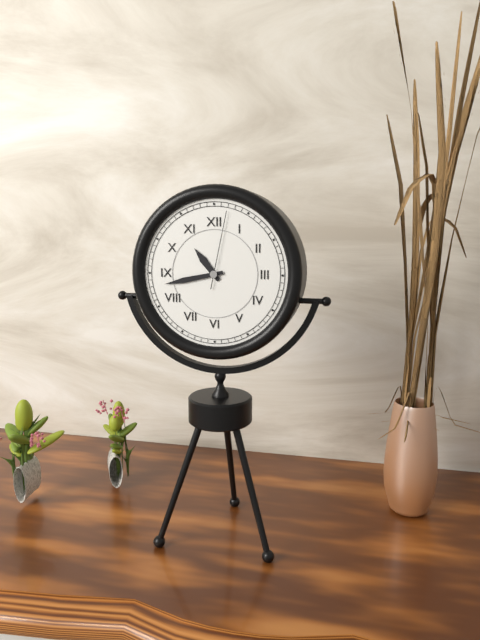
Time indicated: 10,43,02
